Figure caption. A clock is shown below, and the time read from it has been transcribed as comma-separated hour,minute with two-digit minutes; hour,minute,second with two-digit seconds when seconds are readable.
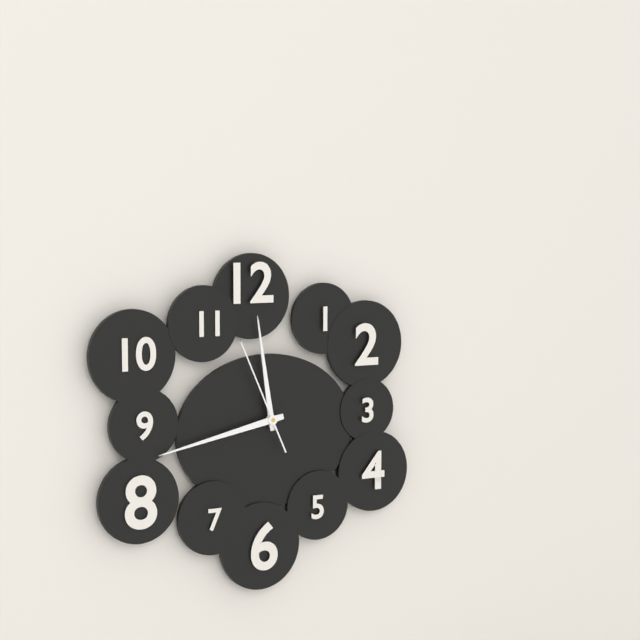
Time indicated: 11,43,56
